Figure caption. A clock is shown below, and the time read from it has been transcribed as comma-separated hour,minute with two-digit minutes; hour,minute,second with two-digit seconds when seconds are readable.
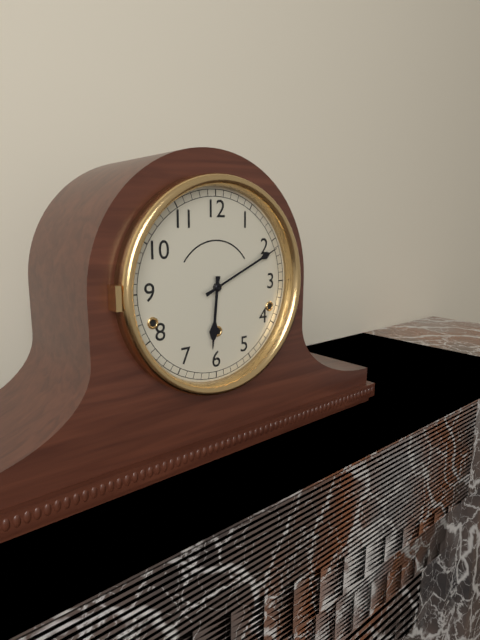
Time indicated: 6,11
